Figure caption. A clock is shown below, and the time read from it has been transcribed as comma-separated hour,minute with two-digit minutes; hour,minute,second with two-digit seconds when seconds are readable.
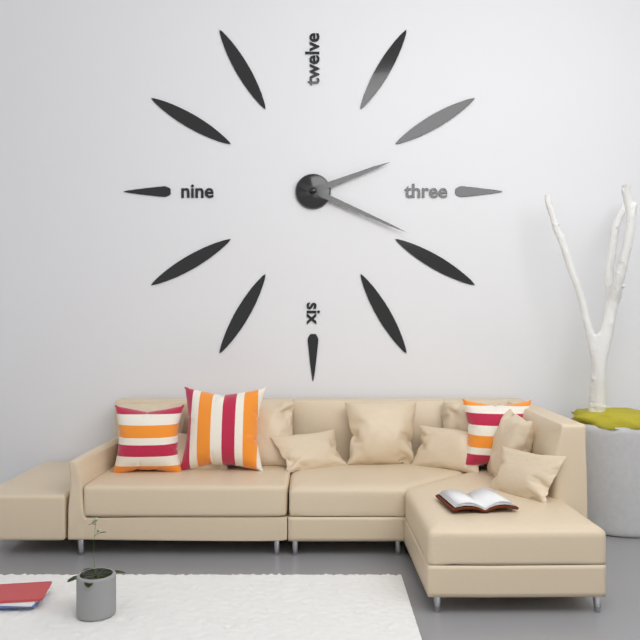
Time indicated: 2,19
